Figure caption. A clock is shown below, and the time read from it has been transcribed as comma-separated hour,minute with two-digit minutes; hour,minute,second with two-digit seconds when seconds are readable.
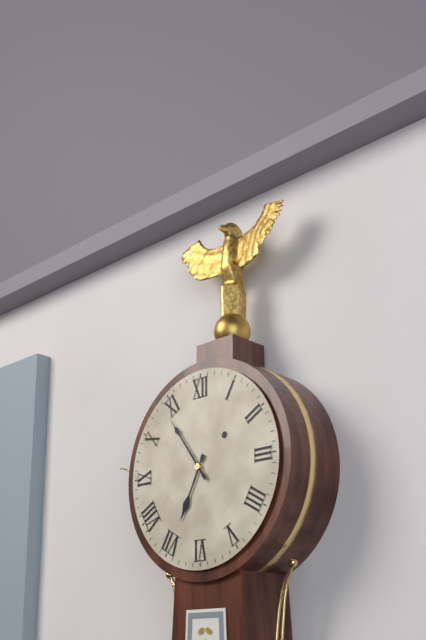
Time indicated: 6,54
